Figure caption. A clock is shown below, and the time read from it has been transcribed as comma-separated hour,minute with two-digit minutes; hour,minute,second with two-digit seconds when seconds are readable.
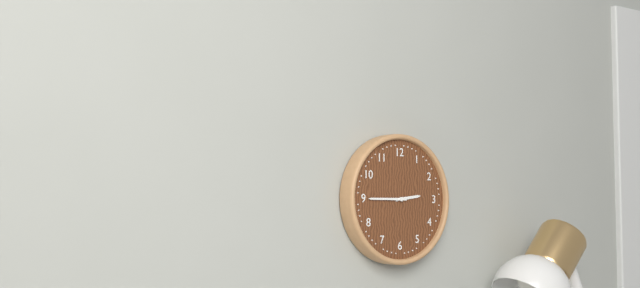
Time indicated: 2,45
